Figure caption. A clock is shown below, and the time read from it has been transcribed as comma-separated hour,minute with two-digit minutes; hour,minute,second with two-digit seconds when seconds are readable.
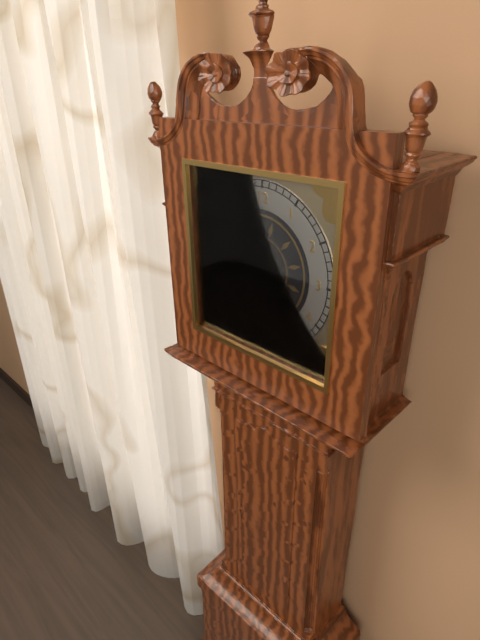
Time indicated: 5,37
